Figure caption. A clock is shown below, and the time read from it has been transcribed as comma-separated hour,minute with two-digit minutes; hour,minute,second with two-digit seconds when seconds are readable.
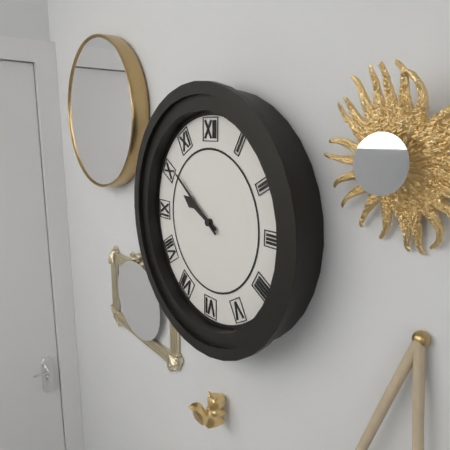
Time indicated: 9,51
